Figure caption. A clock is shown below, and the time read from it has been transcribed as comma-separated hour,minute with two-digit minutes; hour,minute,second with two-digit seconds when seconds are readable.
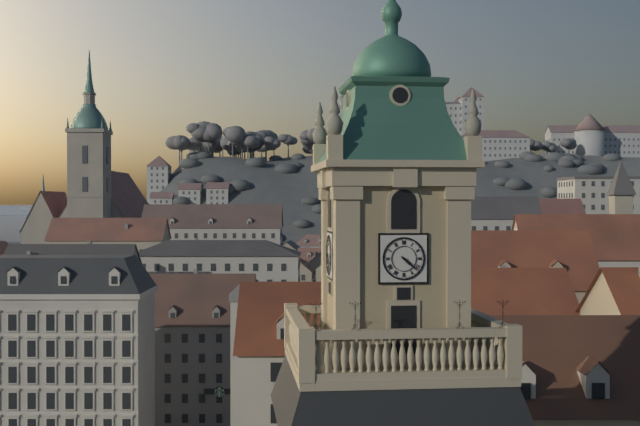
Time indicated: 4,22
